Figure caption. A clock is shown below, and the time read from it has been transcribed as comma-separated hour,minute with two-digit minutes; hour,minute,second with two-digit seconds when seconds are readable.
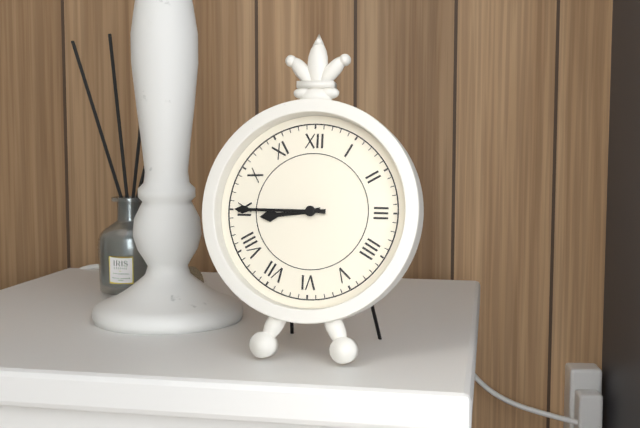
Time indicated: 8,45
